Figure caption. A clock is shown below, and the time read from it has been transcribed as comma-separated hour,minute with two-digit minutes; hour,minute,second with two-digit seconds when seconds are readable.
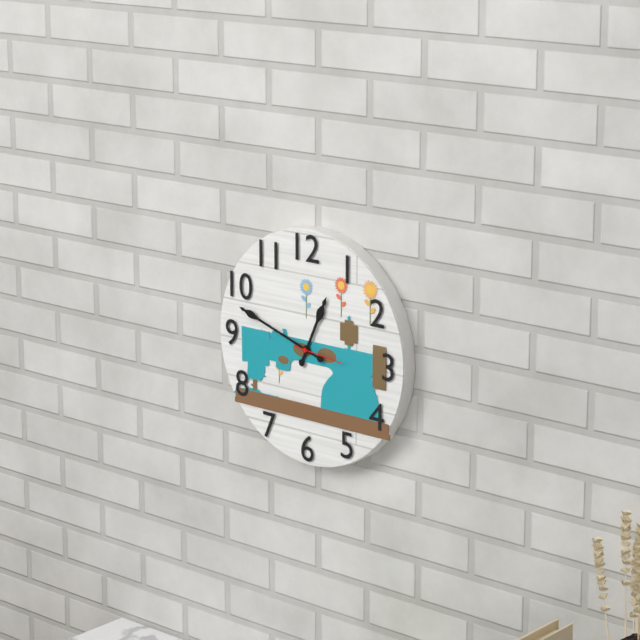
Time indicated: 12,48
